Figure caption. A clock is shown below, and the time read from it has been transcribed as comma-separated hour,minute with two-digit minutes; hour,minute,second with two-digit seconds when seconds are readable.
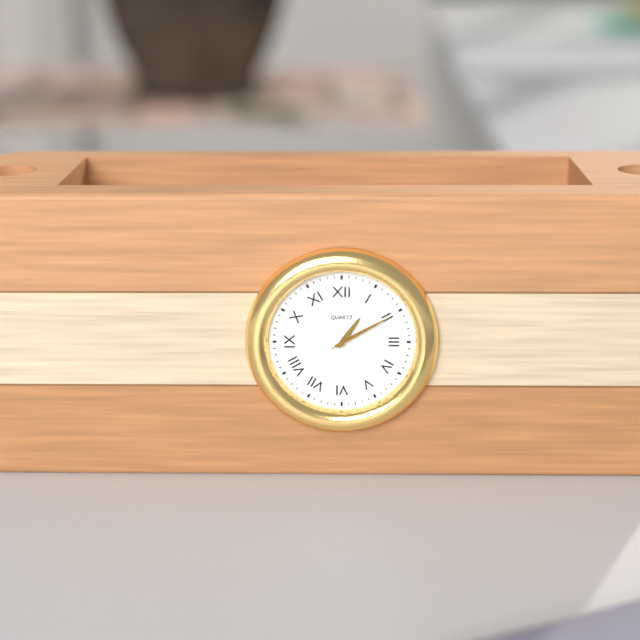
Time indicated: 1,10,10
